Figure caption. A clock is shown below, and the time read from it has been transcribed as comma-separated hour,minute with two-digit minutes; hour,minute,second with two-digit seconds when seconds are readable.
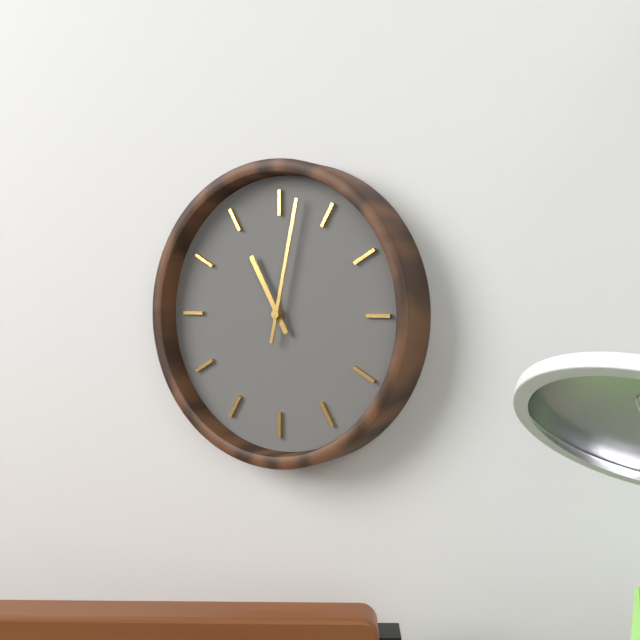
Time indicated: 11,02
